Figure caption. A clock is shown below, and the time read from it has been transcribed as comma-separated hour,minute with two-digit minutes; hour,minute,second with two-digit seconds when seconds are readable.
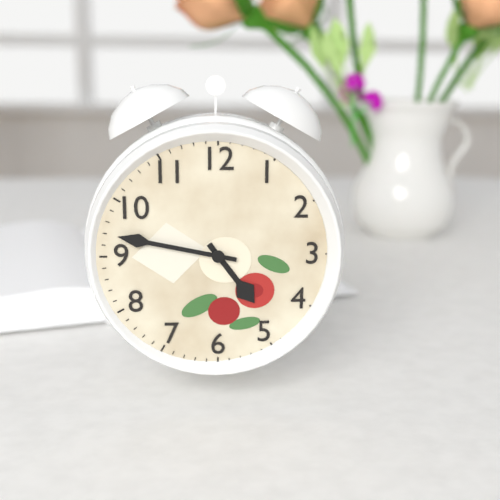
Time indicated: 4,47
